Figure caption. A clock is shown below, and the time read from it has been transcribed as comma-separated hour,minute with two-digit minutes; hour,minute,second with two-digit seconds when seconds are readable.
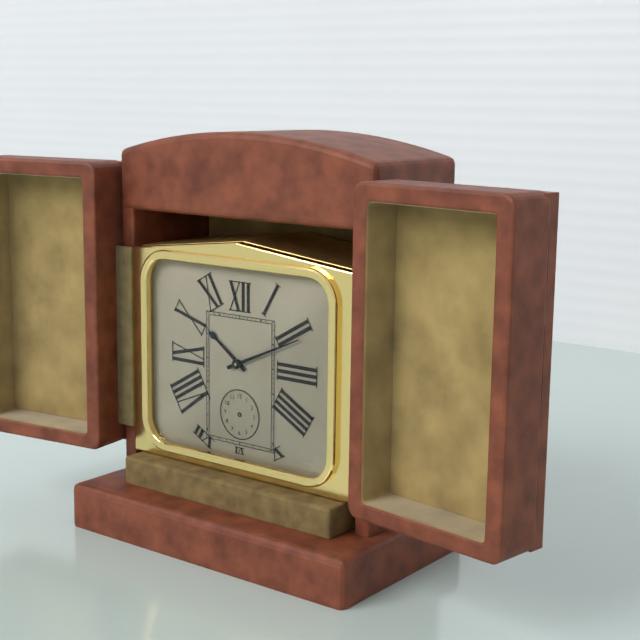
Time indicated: 10,11
